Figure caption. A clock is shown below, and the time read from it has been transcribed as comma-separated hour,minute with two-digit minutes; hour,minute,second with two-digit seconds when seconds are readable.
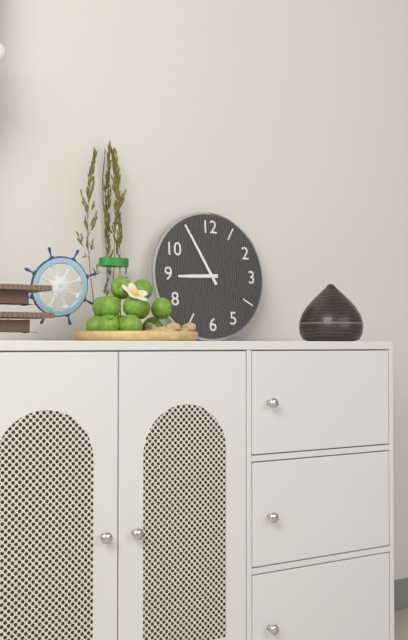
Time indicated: 8,55
